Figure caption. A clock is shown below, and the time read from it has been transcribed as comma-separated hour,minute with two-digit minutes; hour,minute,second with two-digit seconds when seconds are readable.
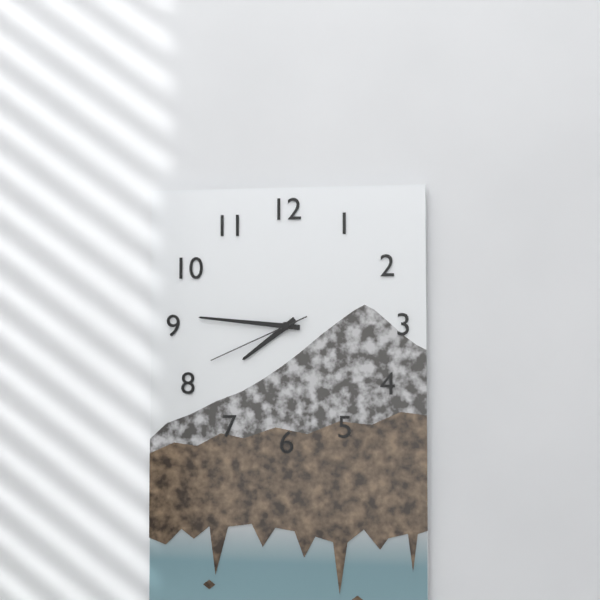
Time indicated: 7,46,41
